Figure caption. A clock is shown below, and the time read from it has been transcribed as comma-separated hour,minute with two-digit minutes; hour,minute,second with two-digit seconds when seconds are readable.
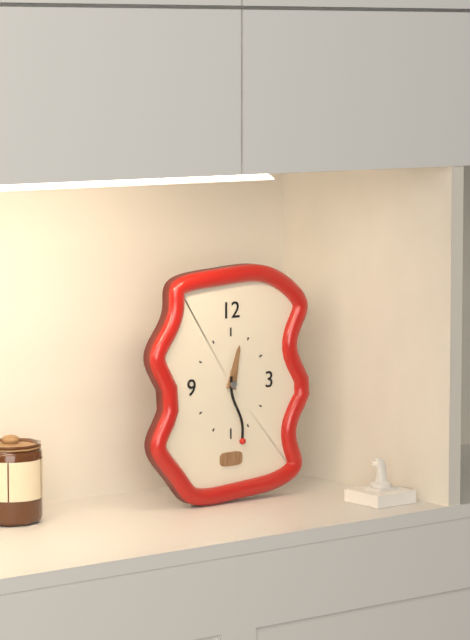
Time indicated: 12,28
